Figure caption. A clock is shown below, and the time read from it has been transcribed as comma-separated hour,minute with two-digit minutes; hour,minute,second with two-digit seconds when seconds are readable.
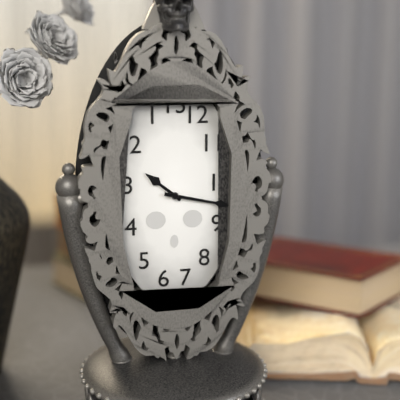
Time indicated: 10,17
